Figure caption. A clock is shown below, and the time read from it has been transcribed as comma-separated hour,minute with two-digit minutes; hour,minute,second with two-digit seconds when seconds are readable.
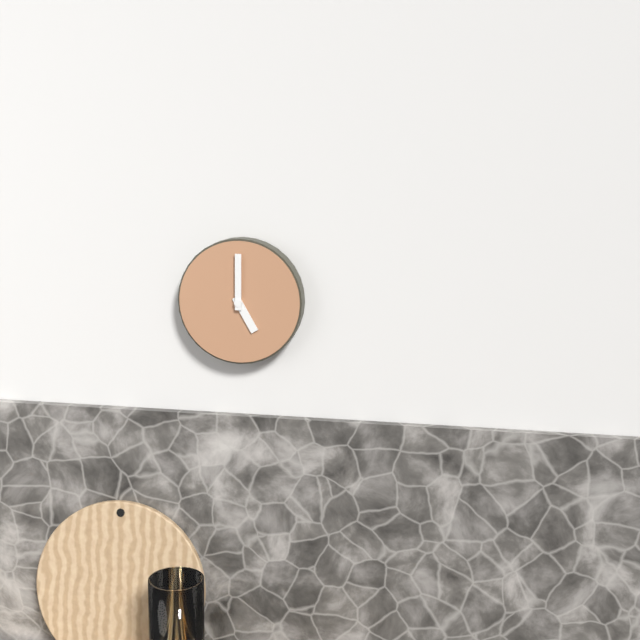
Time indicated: 5,00
